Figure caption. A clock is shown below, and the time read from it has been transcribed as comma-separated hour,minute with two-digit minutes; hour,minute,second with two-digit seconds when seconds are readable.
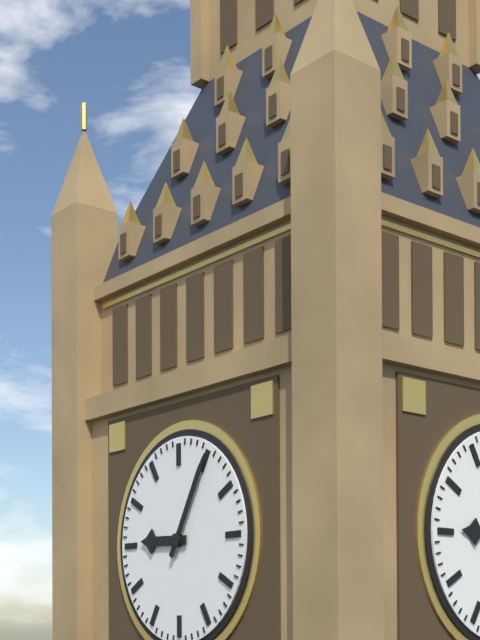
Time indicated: 9,05
